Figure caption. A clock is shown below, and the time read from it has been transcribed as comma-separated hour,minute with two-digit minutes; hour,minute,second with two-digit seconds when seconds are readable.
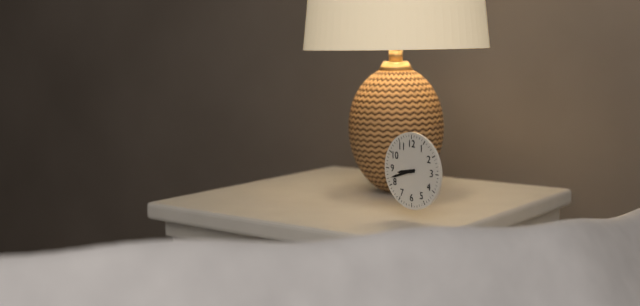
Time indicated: 8,42
